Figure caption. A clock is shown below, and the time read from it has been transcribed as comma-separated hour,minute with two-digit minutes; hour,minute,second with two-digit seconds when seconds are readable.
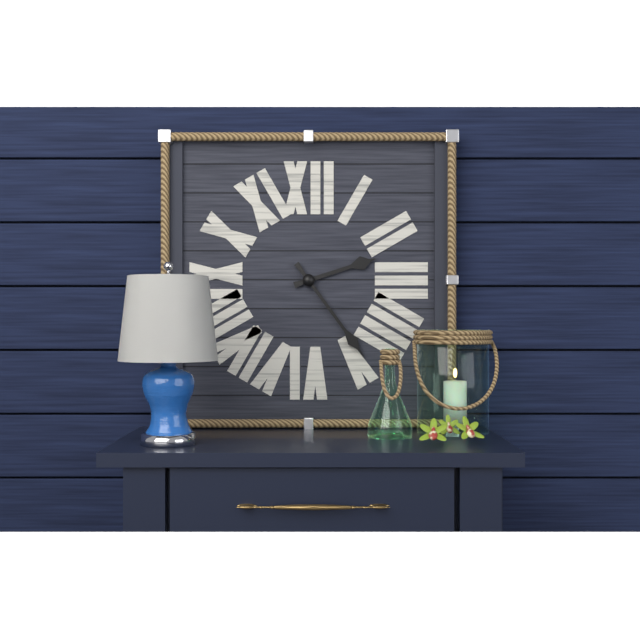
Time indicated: 2,24
